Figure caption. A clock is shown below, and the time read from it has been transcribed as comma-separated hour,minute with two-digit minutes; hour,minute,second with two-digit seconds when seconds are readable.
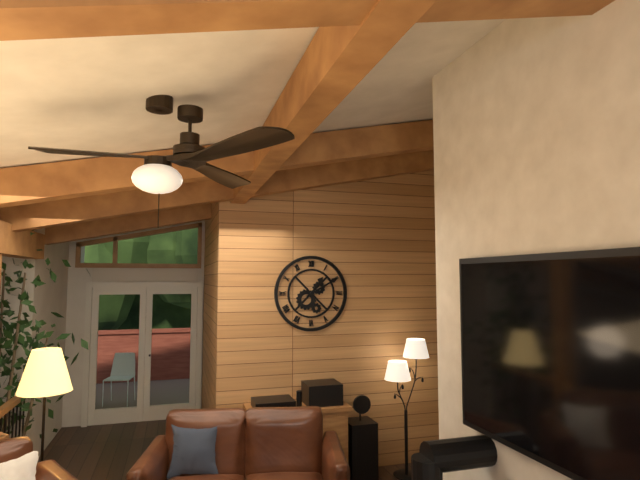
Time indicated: 1,10
